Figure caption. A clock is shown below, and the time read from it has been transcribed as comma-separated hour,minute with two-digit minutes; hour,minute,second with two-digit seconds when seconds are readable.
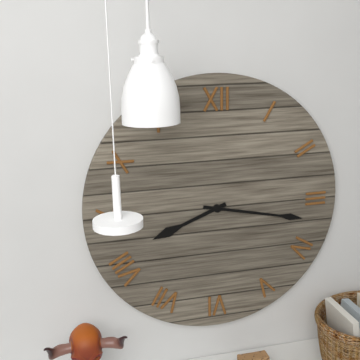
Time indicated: 8,17
